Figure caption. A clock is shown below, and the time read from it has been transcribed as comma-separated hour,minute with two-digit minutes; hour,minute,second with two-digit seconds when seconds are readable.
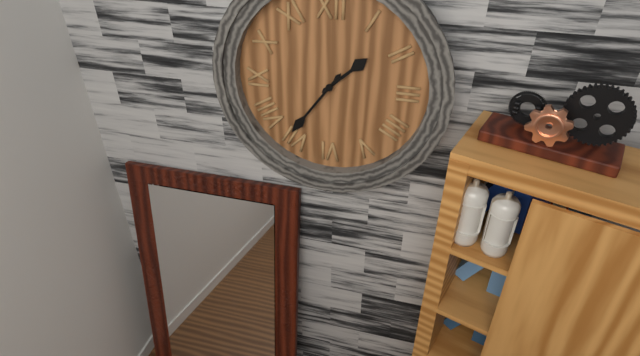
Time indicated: 1,36
